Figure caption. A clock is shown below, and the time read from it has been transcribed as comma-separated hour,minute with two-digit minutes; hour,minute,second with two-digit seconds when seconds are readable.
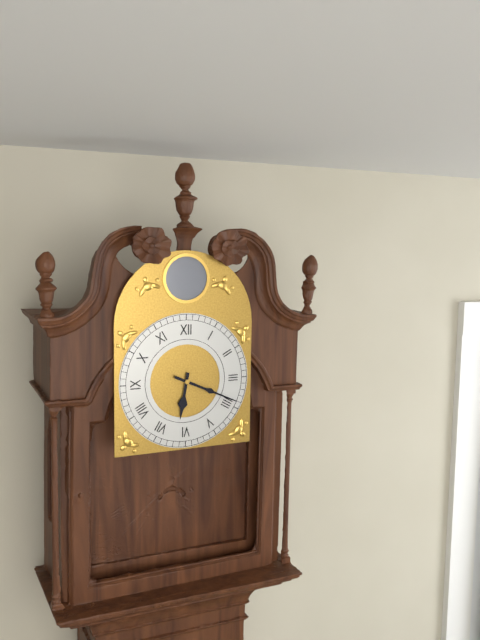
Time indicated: 6,19
